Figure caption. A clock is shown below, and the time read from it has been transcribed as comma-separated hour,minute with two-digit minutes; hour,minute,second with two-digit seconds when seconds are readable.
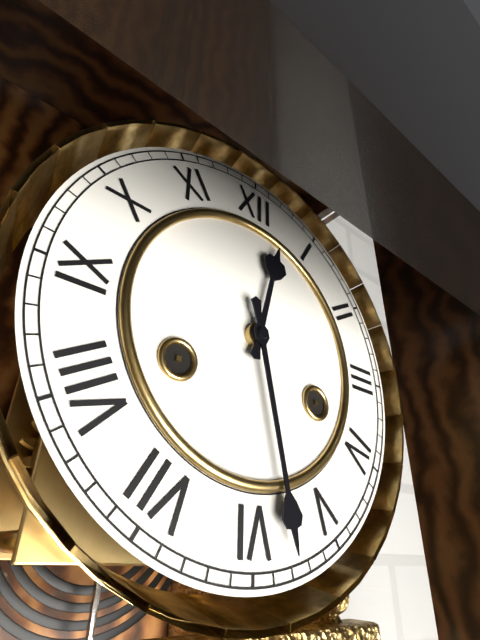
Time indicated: 12,28
